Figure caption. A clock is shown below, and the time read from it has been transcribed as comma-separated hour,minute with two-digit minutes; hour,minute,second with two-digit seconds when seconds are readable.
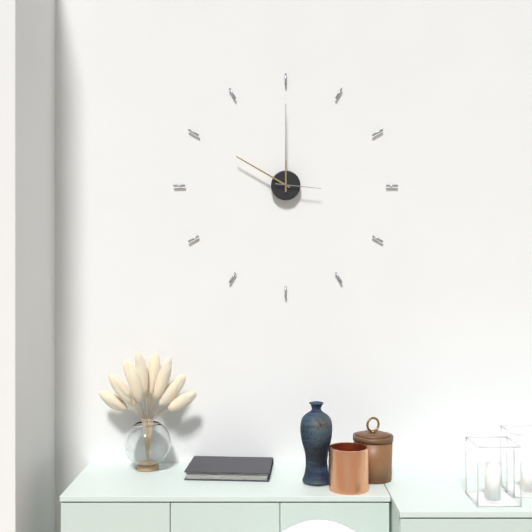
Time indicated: 10,00
